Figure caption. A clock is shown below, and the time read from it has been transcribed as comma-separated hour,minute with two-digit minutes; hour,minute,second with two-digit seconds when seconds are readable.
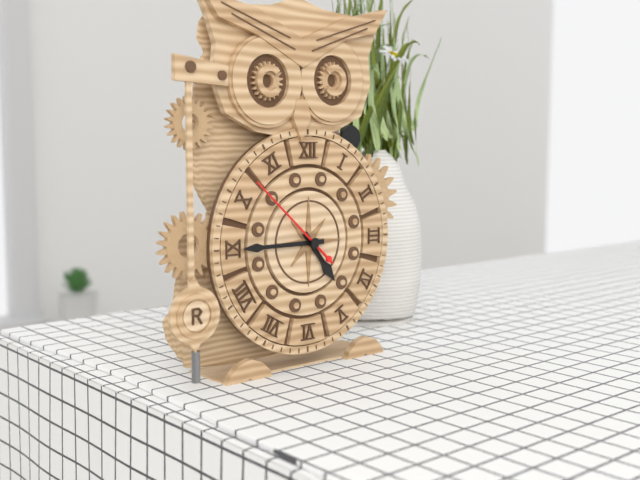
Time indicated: 4,45,52
